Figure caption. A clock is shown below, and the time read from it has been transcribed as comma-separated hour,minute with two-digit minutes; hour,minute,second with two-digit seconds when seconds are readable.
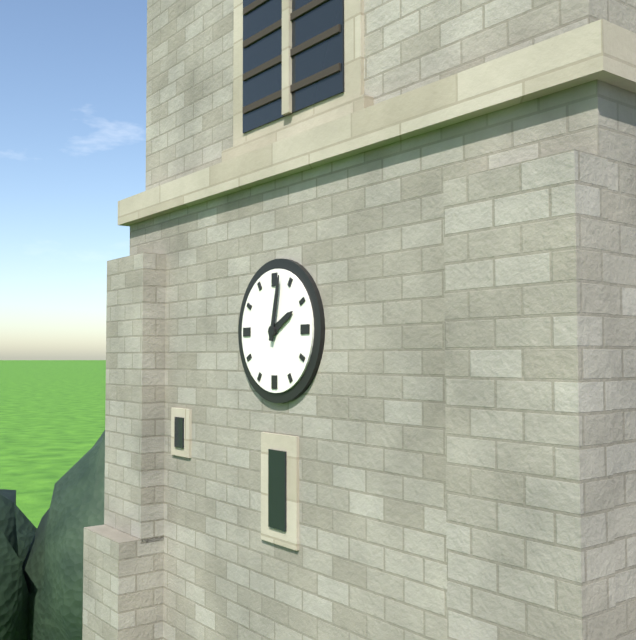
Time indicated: 2,02
